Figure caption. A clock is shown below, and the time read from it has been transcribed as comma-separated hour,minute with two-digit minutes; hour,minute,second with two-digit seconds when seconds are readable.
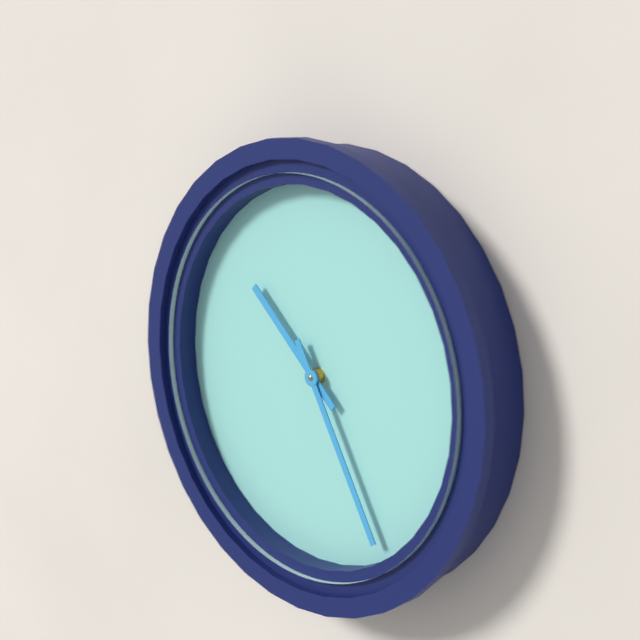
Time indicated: 10,25
